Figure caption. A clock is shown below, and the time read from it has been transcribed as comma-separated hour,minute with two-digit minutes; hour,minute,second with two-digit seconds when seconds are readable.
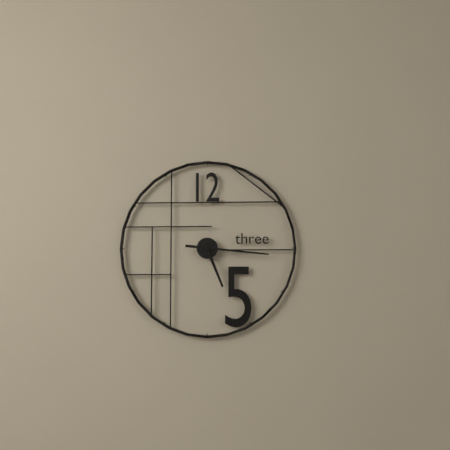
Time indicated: 5,16
